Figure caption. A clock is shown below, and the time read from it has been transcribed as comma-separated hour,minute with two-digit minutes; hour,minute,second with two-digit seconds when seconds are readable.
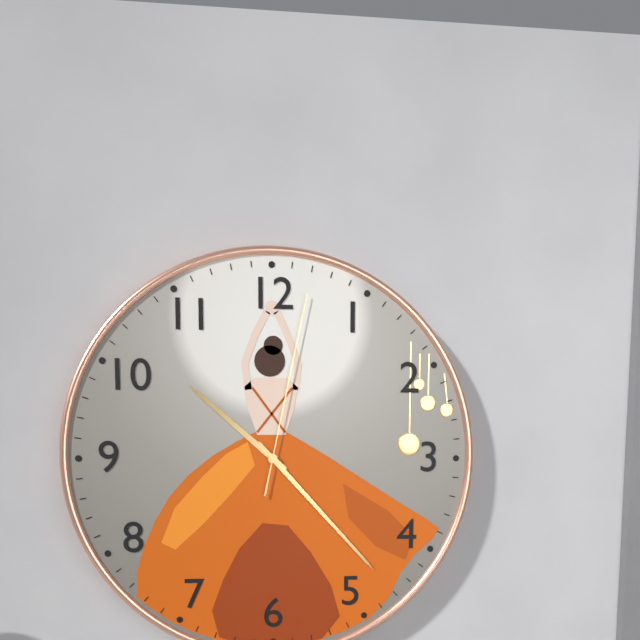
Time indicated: 10,23,02
